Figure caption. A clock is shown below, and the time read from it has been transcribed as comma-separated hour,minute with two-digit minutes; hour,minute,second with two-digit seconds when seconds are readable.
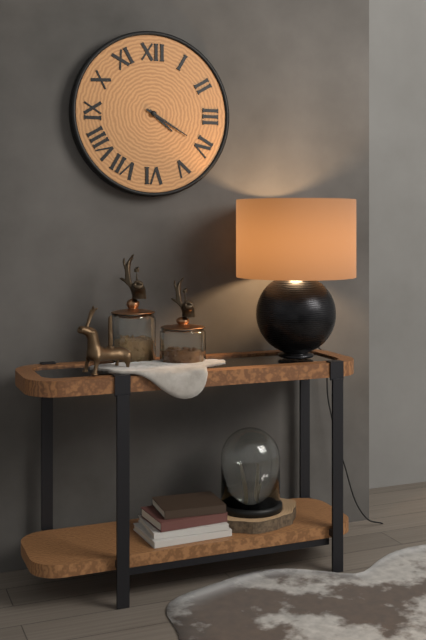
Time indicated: 4,20
